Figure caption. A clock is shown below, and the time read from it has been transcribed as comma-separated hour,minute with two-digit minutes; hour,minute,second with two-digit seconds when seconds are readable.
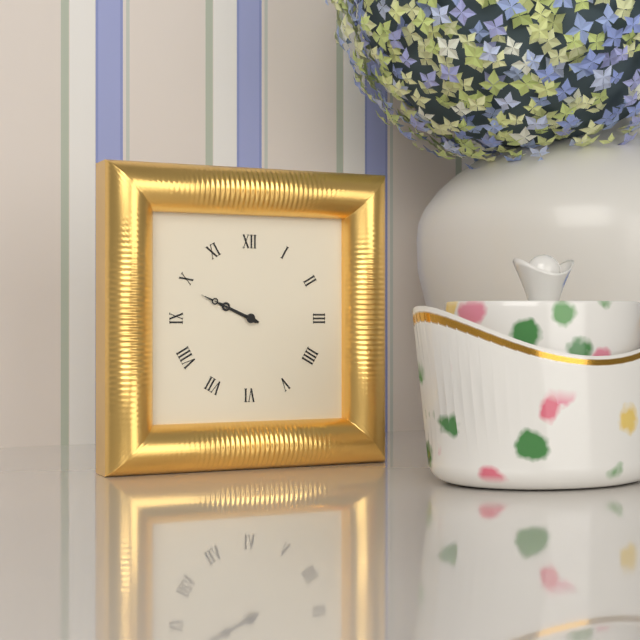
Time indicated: 9,49
